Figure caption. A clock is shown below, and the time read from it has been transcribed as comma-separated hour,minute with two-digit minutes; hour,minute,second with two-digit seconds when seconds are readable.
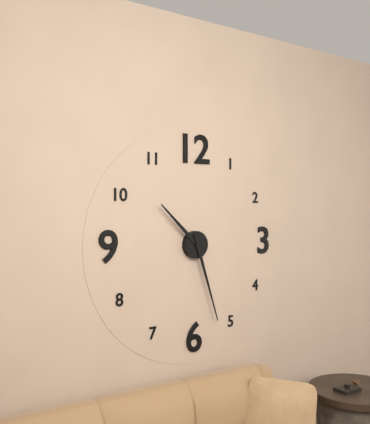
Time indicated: 10,27
